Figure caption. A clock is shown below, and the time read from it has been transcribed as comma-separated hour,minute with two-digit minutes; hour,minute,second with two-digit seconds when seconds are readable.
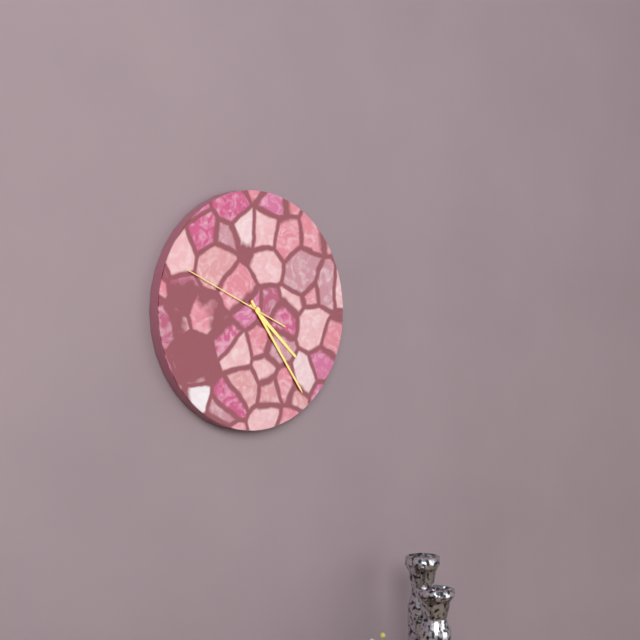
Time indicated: 4,24,49
